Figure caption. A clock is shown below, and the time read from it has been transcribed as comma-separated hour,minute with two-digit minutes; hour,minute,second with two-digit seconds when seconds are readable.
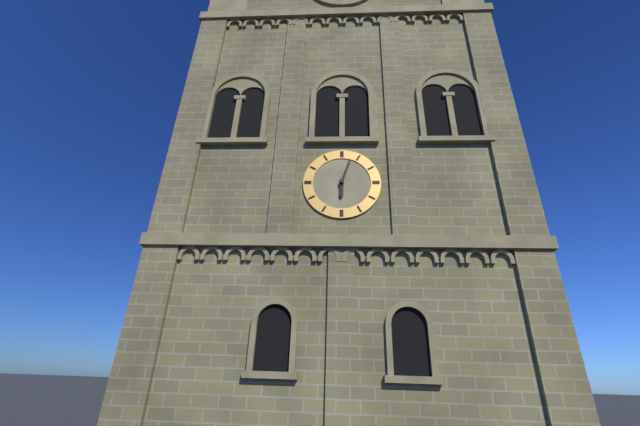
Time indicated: 6,03
